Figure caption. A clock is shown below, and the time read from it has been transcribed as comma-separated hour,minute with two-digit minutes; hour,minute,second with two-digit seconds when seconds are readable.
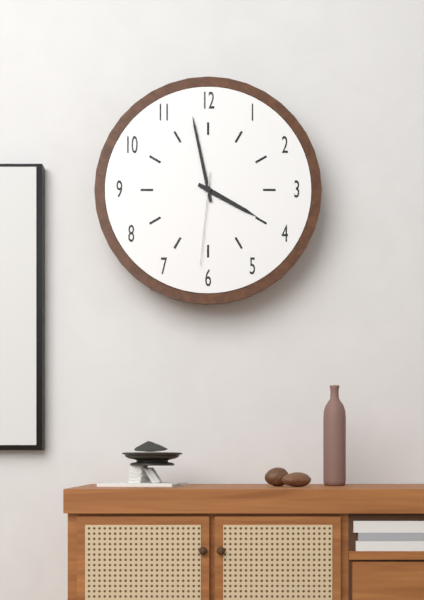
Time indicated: 3,58,31
